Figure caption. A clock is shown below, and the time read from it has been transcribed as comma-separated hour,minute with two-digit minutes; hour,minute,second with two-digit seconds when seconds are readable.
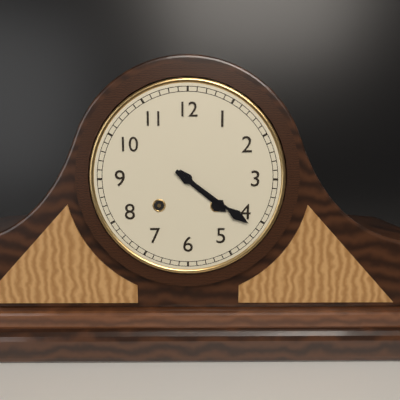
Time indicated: 4,21
